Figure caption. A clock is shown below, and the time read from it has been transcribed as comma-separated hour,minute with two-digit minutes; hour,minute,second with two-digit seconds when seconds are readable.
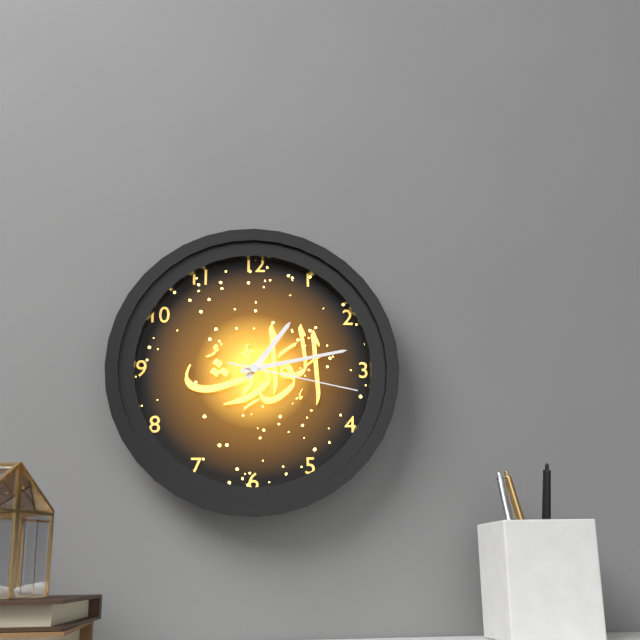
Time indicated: 1,13,17
